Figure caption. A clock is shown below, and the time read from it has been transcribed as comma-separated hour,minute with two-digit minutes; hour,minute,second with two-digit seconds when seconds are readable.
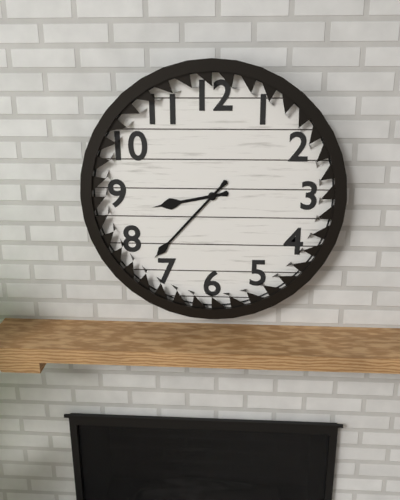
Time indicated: 8,37
